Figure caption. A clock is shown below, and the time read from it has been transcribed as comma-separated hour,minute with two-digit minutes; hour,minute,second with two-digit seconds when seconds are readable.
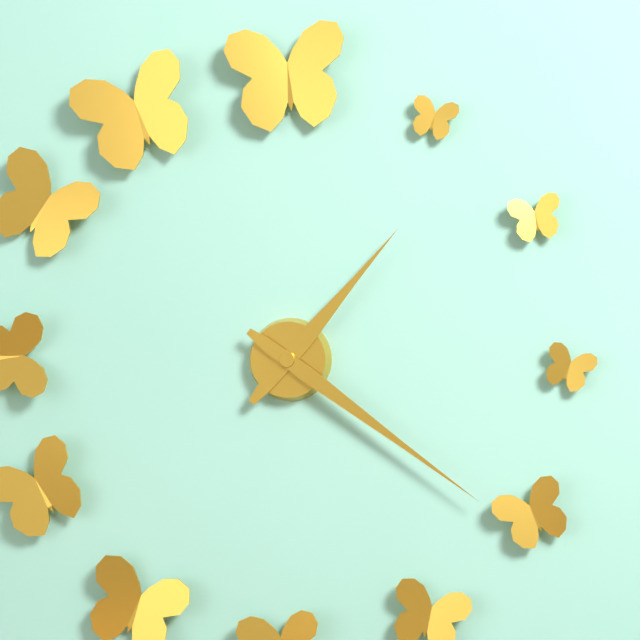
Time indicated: 1,21
